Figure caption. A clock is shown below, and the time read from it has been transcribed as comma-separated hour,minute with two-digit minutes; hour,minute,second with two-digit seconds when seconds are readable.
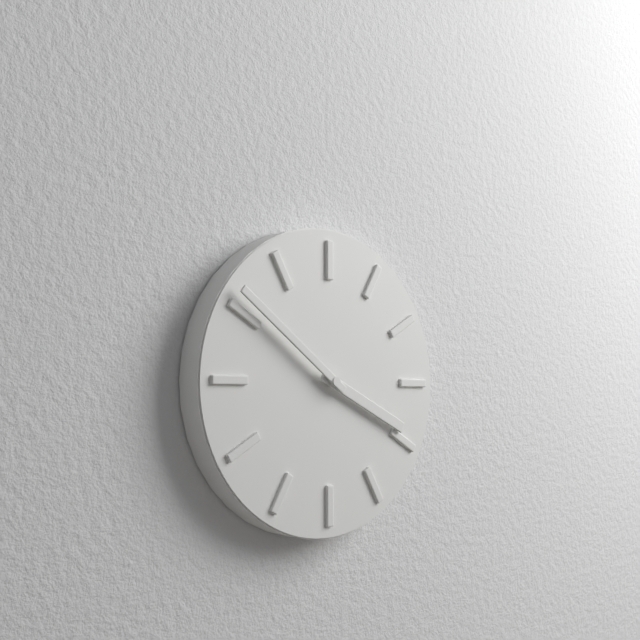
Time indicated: 3,51
